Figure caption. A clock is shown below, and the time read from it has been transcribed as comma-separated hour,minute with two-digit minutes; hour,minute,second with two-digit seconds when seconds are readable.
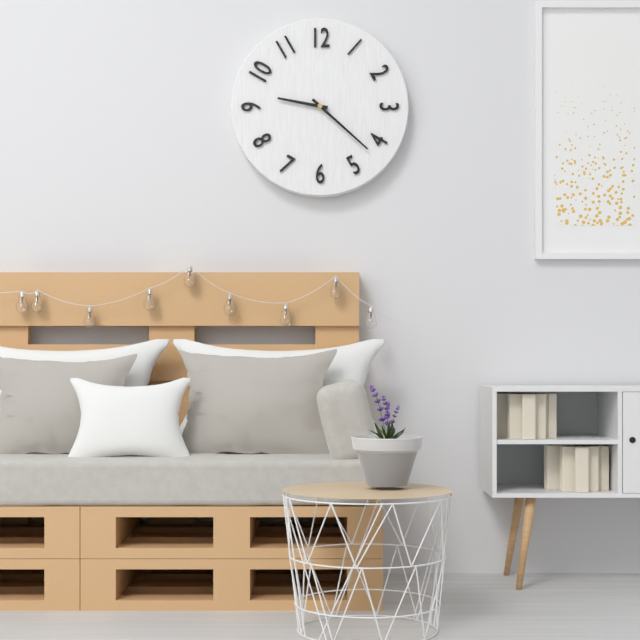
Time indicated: 9,22
